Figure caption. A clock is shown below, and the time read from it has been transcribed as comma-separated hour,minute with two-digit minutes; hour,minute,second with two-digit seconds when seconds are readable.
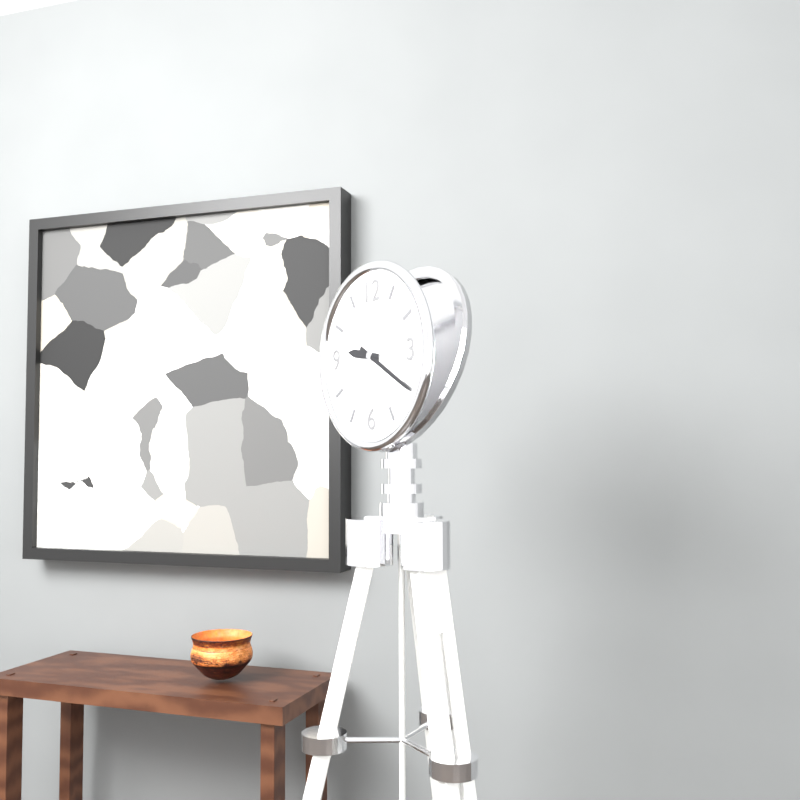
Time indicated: 9,20
